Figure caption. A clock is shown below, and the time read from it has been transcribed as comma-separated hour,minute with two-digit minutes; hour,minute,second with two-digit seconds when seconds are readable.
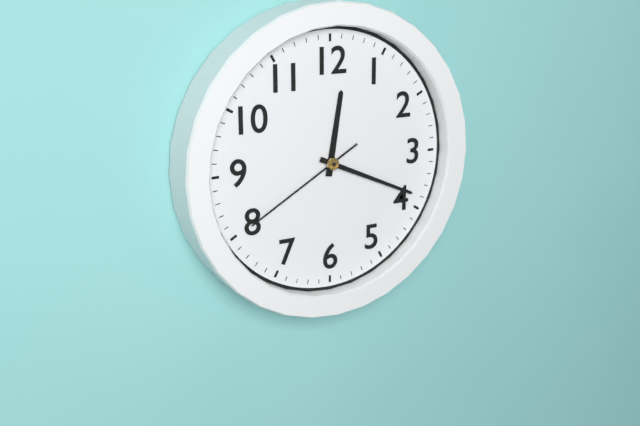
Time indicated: 12,19,40
